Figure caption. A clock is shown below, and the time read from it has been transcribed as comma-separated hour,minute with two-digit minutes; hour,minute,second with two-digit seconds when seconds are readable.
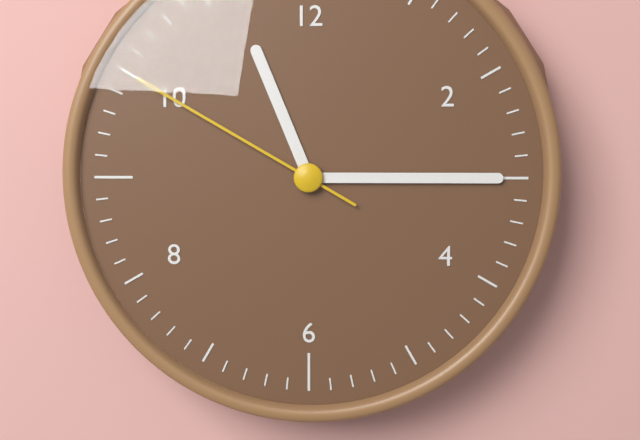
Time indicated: 11,15,50
